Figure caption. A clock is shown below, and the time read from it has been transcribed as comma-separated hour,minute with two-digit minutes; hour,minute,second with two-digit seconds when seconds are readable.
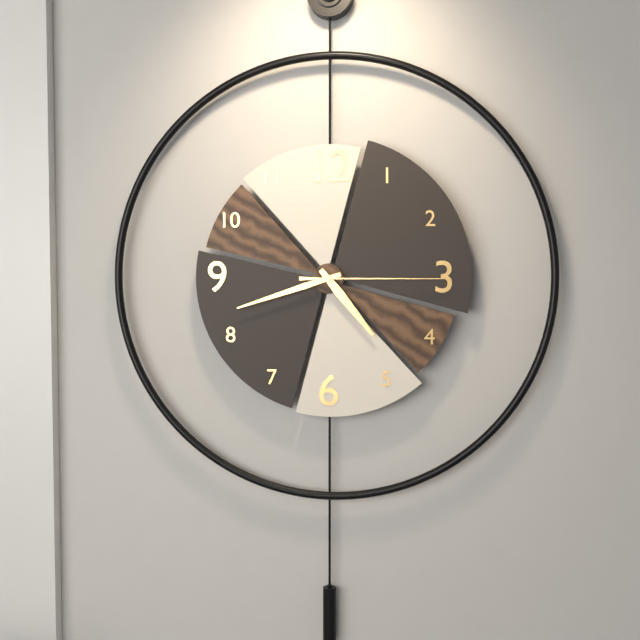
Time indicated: 4,42,15
